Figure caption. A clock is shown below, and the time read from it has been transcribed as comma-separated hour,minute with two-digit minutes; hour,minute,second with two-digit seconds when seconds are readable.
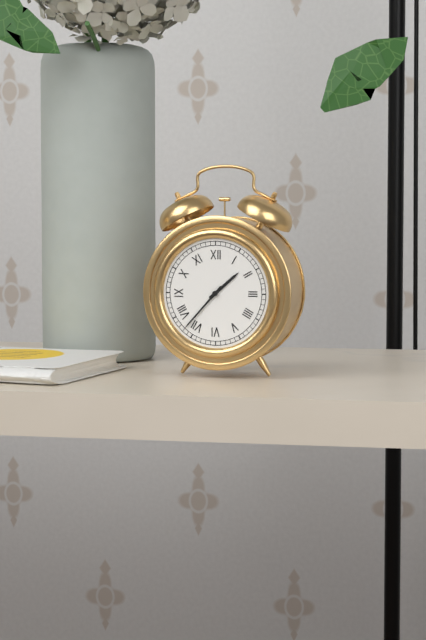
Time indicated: 1,37
